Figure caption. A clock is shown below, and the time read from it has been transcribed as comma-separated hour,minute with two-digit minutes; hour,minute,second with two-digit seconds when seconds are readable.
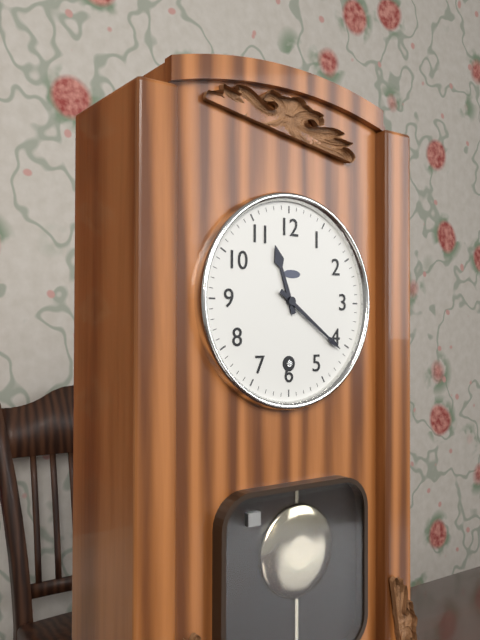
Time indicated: 11,21
